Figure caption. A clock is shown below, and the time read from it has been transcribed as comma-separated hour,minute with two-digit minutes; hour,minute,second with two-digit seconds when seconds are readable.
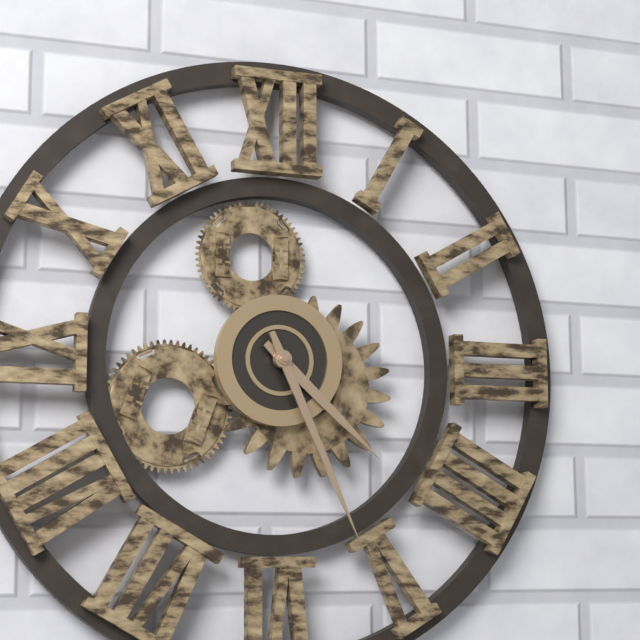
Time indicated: 4,26
